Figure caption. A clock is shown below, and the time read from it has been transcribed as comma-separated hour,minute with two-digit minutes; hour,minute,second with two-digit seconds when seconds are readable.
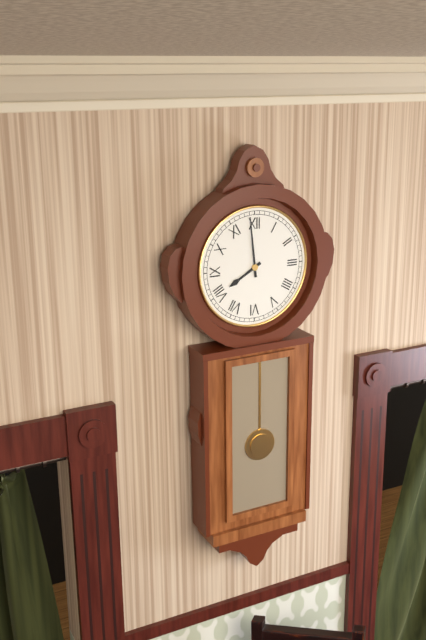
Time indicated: 7,59
